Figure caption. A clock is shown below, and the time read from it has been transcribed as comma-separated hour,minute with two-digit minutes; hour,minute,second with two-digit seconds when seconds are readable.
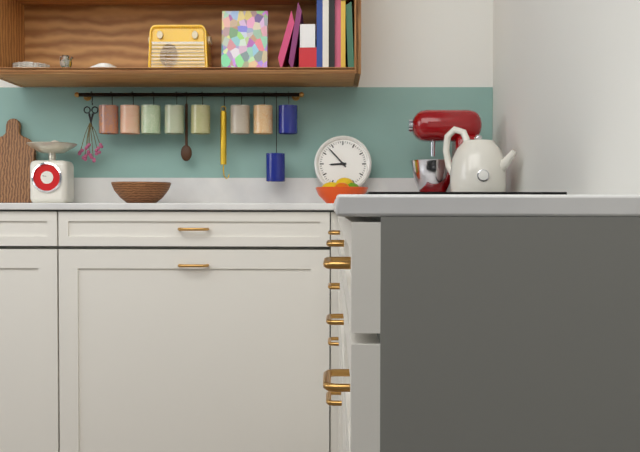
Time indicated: 8,53
